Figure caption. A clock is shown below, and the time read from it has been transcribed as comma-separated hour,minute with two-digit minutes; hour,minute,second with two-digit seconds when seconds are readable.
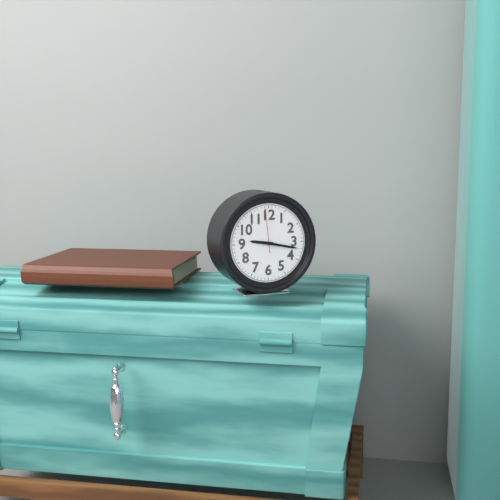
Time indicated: 9,17
